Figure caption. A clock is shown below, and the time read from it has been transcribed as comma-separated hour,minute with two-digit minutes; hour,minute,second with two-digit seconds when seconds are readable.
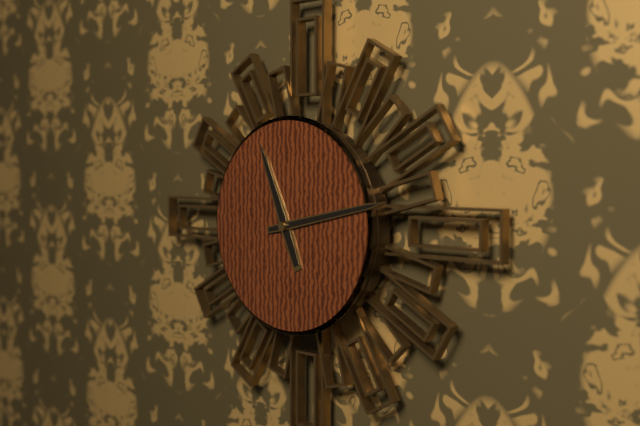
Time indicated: 11,13
